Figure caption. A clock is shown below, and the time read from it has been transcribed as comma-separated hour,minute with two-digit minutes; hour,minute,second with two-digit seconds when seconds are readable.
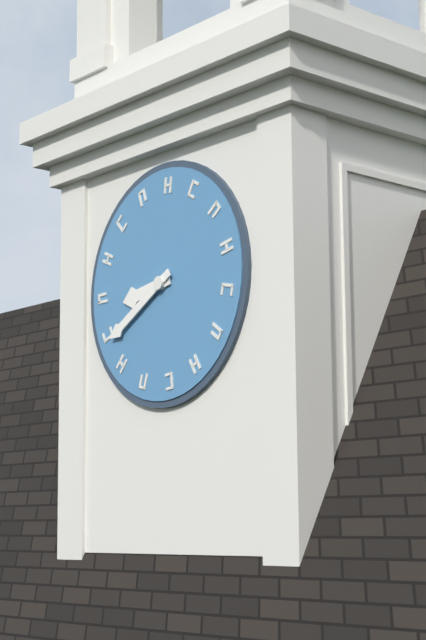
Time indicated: 8,40
